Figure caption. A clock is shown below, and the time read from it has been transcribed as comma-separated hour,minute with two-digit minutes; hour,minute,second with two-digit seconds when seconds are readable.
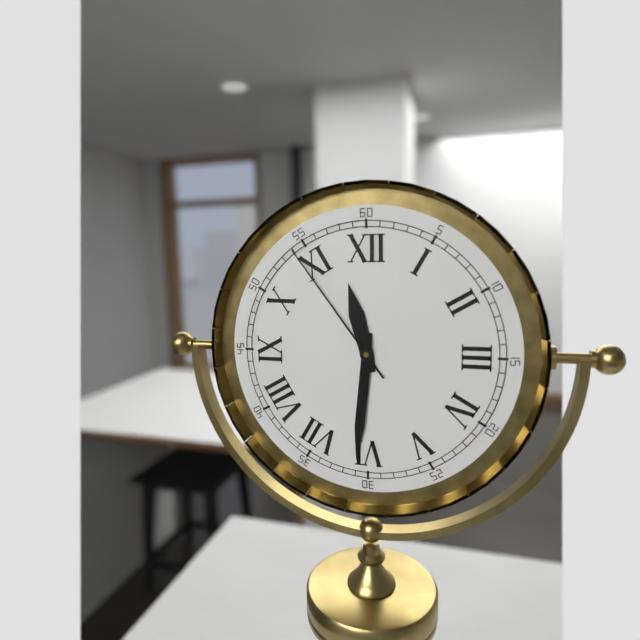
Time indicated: 11,31,54
